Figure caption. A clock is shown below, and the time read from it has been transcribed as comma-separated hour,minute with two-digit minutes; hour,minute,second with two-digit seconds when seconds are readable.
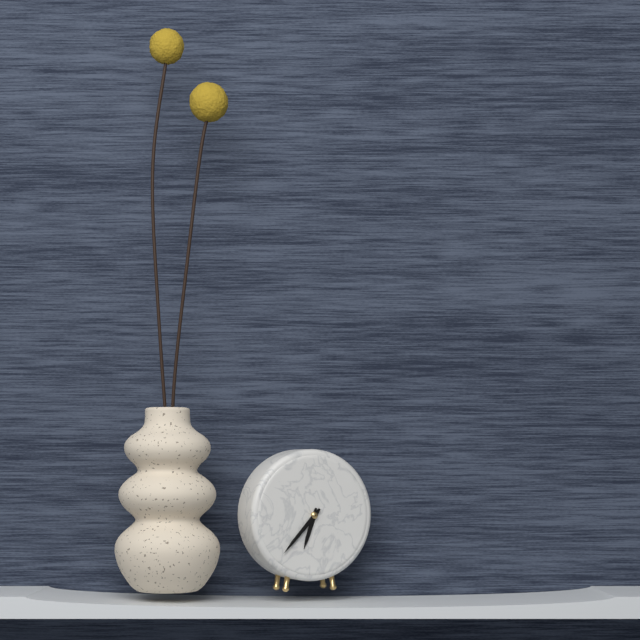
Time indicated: 6,37
